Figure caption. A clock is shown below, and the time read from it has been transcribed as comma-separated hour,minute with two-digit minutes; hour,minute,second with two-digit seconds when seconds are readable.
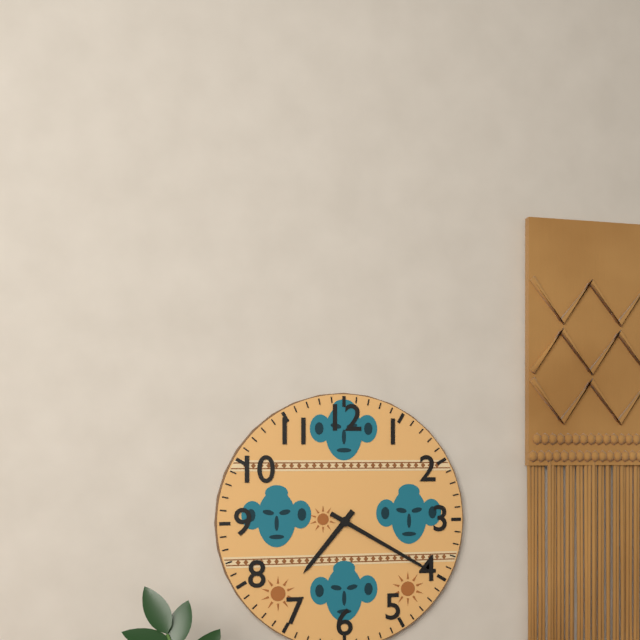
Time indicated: 7,20
